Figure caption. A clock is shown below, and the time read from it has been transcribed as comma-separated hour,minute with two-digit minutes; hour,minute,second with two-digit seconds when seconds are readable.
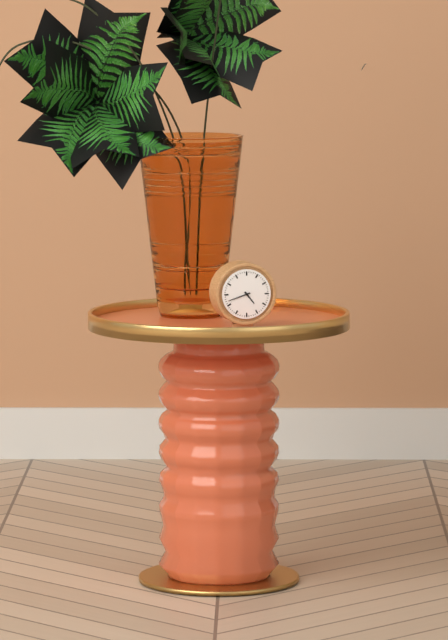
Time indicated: 4,42
